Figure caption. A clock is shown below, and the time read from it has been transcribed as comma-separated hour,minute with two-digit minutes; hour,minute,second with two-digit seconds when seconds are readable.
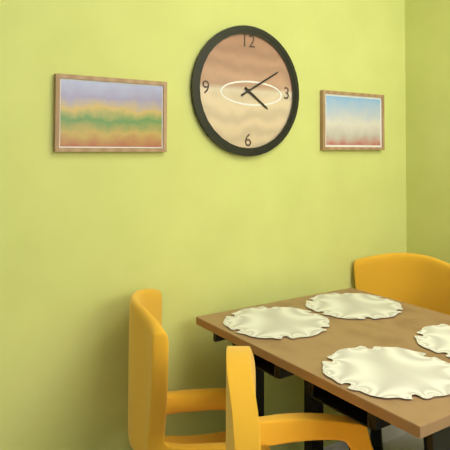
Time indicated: 4,10
